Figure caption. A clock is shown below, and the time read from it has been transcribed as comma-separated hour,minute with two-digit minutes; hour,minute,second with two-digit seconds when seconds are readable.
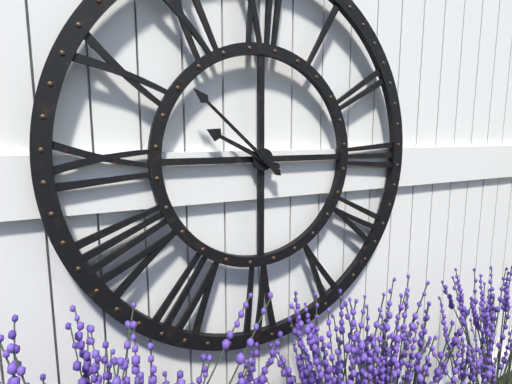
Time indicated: 9,52
